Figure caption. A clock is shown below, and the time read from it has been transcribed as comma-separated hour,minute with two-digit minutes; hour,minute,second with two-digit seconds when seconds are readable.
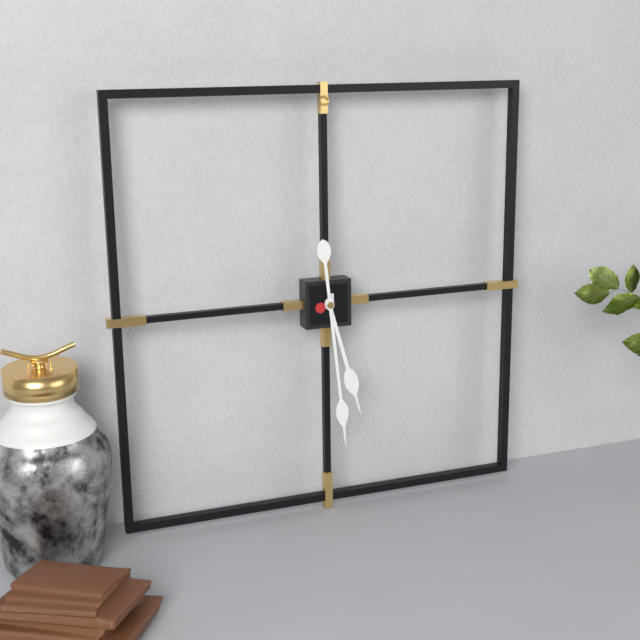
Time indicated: 5,29
